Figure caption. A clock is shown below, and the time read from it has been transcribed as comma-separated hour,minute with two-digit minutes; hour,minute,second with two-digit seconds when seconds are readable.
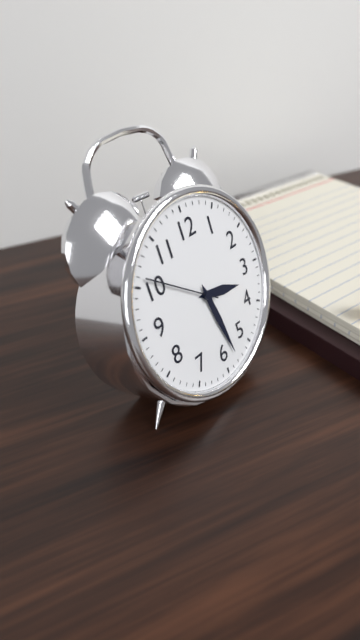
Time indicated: 3,28,51
